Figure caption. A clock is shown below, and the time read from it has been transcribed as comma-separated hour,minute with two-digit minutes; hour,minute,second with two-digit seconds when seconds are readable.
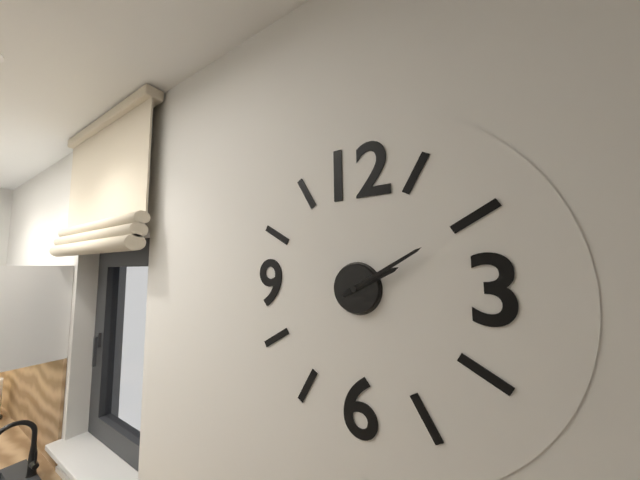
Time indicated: 2,10
